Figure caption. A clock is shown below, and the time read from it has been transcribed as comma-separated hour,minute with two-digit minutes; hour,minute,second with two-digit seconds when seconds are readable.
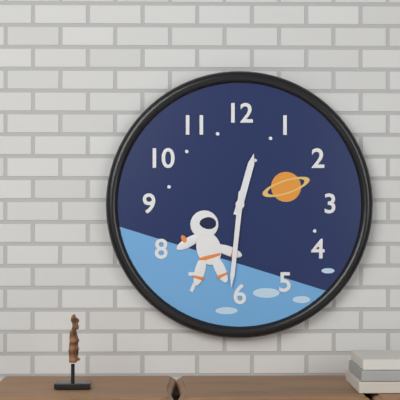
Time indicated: 12,31
